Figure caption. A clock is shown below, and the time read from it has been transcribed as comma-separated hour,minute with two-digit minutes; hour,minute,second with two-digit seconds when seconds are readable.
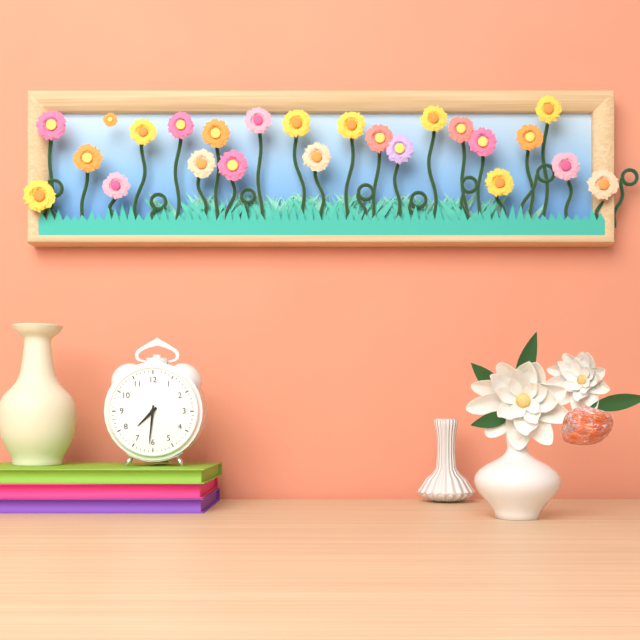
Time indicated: 7,31
